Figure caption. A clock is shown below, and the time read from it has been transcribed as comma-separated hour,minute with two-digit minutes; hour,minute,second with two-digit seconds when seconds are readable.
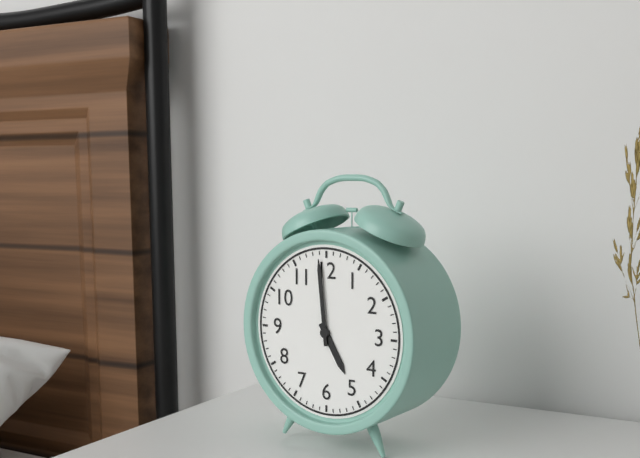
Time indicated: 4,59
